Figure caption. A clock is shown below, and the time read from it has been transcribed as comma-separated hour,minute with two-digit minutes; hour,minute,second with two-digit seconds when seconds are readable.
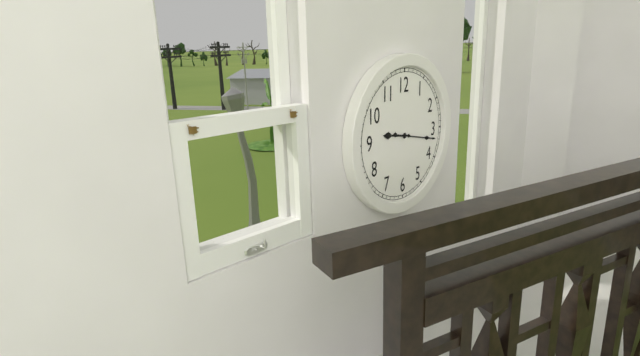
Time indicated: 9,17
